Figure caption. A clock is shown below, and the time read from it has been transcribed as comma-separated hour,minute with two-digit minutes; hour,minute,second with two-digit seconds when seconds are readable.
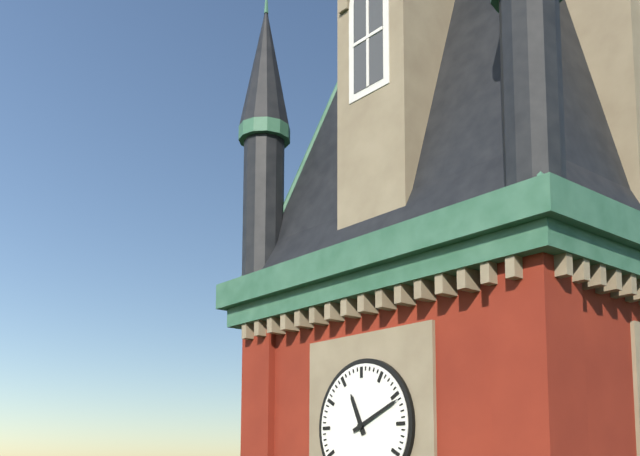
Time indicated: 11,11
